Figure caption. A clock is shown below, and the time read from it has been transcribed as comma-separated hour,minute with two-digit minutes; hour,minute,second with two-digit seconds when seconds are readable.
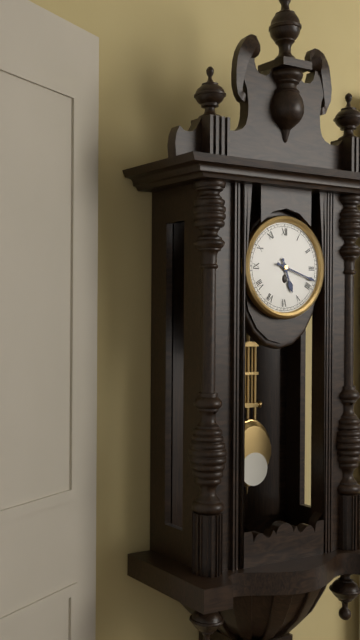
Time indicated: 5,18
